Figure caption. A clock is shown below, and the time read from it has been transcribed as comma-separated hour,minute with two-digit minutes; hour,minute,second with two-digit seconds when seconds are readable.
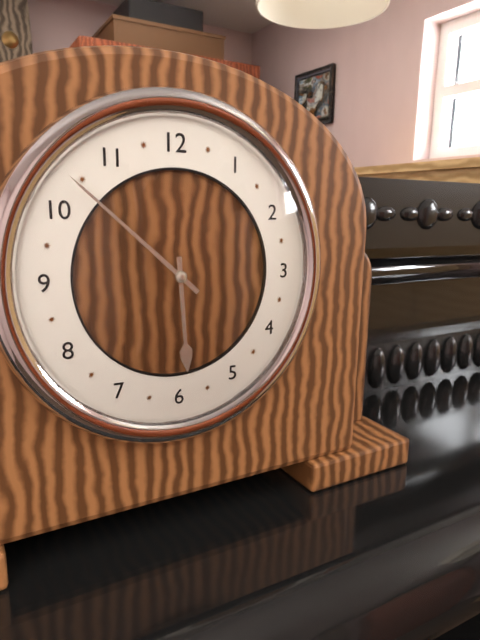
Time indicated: 5,52
